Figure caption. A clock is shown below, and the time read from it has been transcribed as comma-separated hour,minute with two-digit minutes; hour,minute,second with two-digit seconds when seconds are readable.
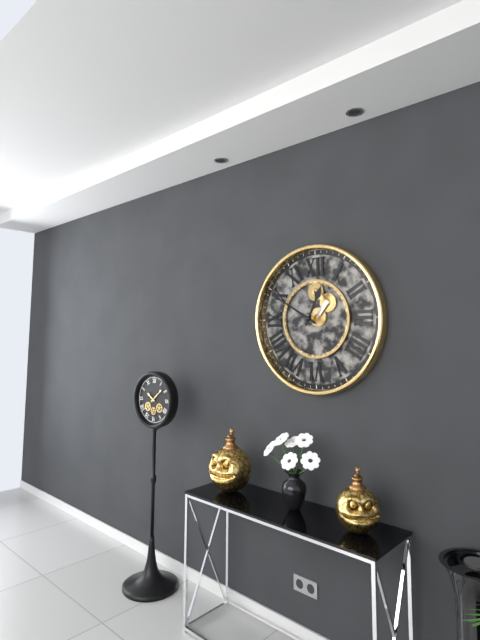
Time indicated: 12,50
